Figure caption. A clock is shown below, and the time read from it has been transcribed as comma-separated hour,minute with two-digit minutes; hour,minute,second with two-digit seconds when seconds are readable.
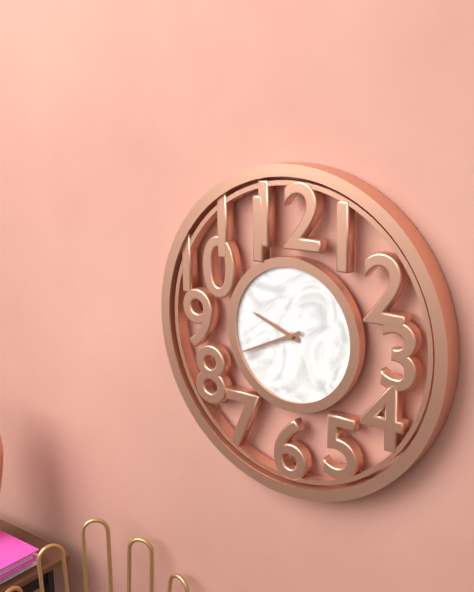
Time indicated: 9,41
